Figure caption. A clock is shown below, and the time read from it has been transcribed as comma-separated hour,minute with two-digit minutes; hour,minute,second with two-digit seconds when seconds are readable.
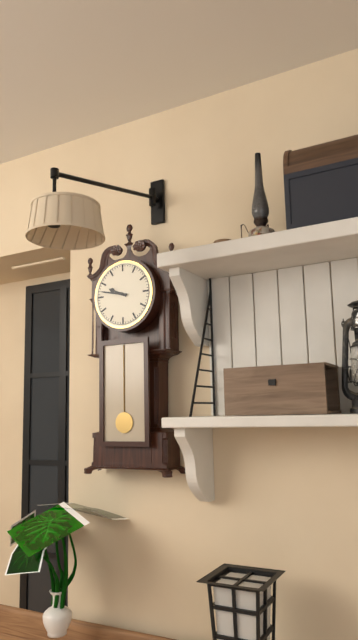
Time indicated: 9,47
